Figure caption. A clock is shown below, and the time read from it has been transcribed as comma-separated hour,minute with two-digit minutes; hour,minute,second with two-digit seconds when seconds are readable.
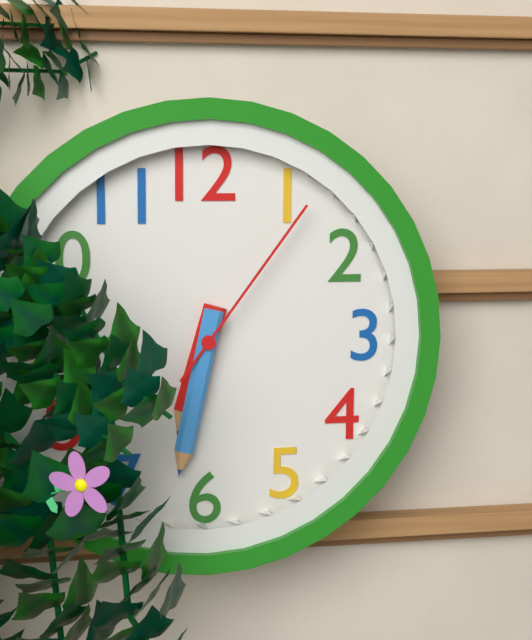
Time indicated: 6,32,06
